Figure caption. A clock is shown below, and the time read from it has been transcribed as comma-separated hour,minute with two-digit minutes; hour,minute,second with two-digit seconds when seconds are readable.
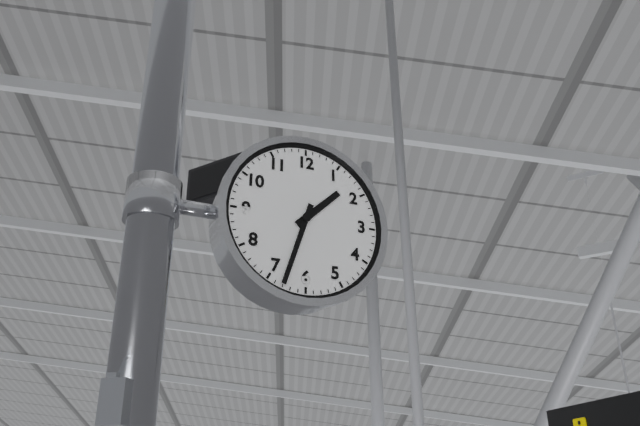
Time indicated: 1,33
